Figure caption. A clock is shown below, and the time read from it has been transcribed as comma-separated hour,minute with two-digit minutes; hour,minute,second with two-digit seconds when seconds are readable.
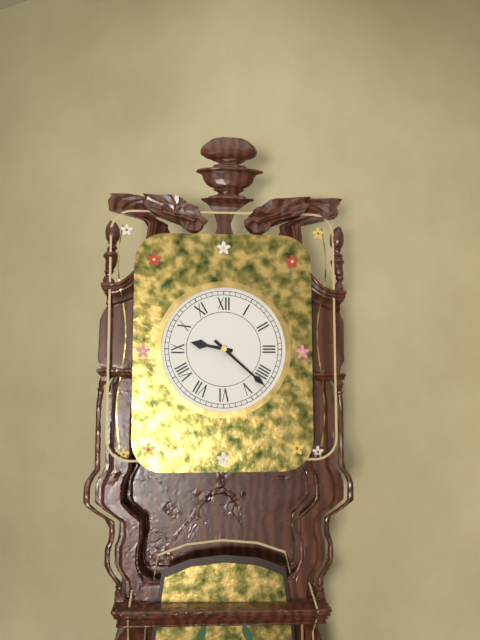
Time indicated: 9,22
